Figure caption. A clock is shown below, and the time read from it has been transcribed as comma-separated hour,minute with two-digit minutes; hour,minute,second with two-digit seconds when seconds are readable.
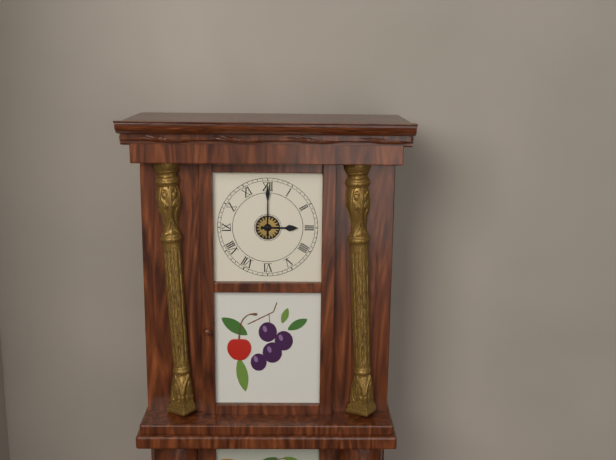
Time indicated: 3,00
